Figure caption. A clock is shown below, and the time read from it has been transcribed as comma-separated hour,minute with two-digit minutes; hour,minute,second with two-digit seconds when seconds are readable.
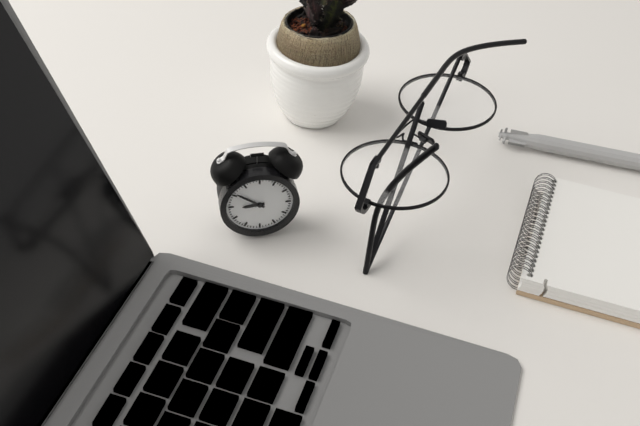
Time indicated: 8,51
